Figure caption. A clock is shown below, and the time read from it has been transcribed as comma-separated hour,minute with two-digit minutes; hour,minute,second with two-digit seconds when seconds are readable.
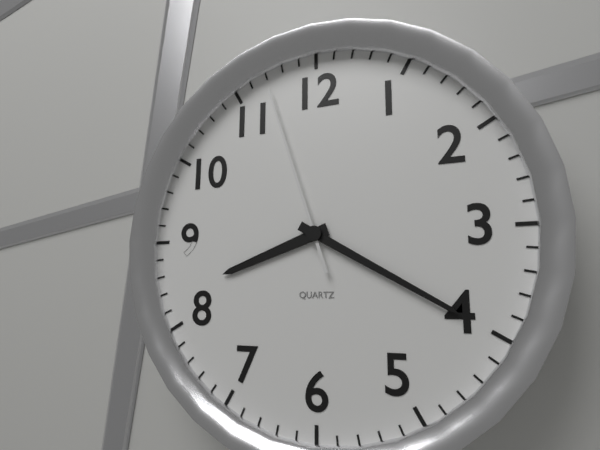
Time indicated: 8,20,57
